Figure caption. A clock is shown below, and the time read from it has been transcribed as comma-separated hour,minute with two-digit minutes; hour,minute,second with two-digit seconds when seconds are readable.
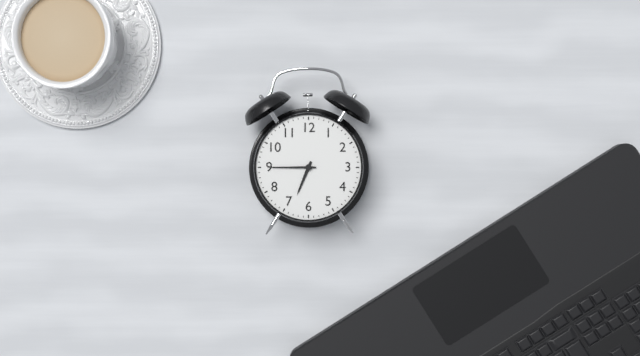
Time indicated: 6,45
